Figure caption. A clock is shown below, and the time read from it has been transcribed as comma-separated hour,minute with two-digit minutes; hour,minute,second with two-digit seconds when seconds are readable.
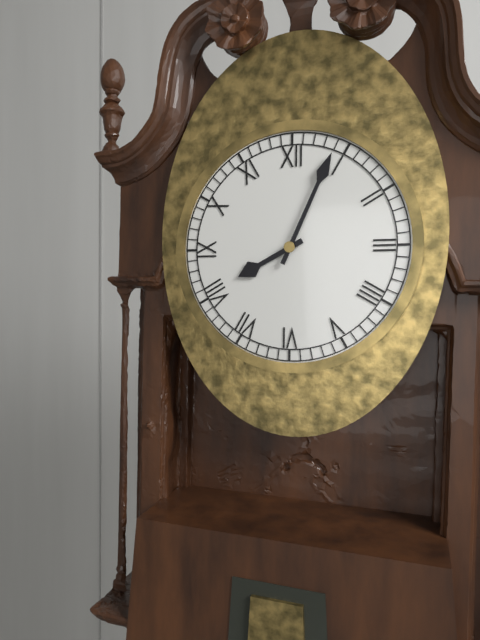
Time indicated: 8,04
